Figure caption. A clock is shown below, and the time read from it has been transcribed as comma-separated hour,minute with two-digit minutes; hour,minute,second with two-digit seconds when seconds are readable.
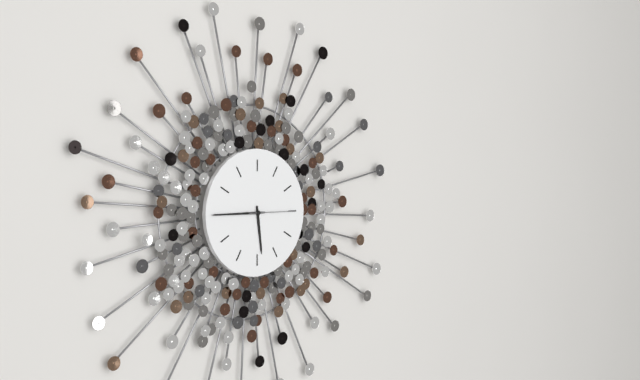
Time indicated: 5,45
